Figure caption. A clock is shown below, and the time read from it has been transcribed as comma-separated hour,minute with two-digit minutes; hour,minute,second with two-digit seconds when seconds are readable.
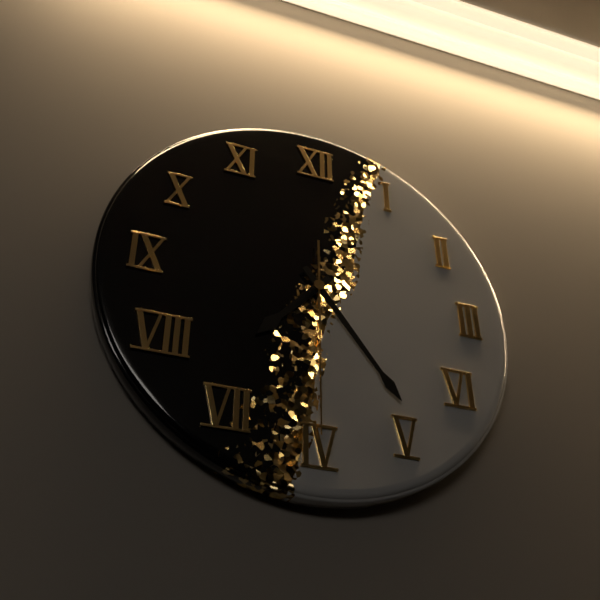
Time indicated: 7,24,30
